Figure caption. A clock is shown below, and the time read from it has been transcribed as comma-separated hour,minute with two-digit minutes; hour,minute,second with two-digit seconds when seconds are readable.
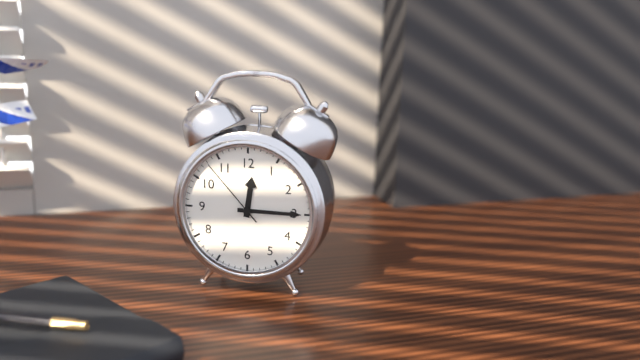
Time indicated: 12,15,53
